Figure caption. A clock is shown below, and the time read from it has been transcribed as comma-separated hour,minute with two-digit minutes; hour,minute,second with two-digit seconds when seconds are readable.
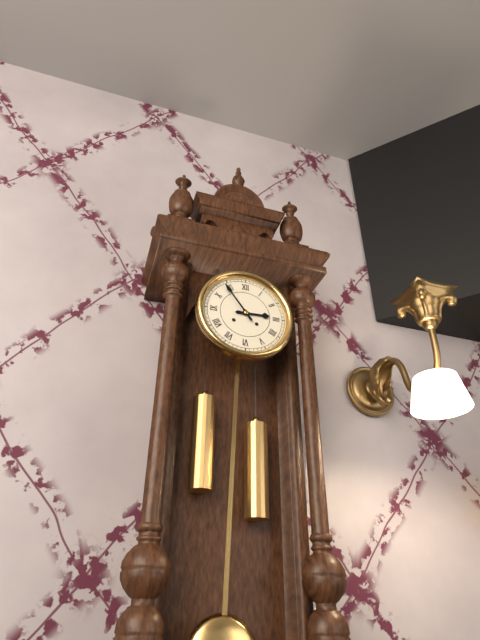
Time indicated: 2,54
